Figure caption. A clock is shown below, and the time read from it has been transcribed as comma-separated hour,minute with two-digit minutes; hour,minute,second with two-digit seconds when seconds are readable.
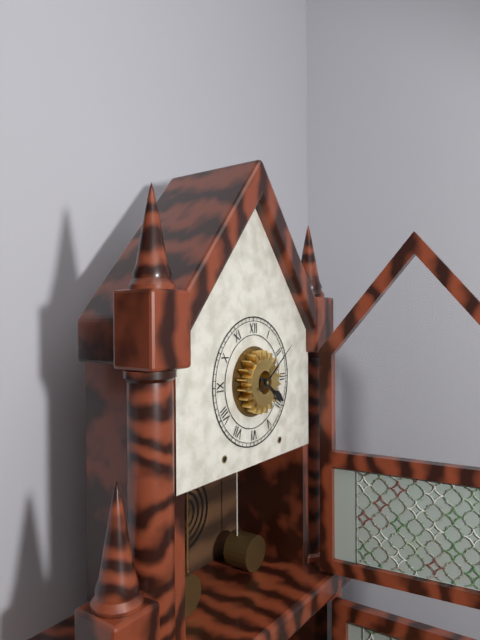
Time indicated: 4,09
